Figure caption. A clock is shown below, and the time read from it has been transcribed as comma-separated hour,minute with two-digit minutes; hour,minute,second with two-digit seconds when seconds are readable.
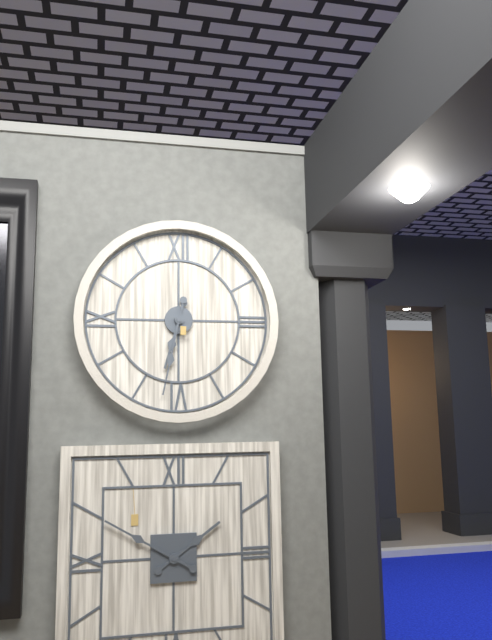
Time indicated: 6,32
